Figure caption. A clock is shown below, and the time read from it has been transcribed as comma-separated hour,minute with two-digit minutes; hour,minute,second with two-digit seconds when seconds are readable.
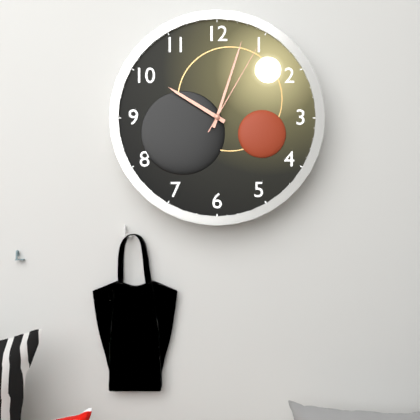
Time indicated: 10,03,05
